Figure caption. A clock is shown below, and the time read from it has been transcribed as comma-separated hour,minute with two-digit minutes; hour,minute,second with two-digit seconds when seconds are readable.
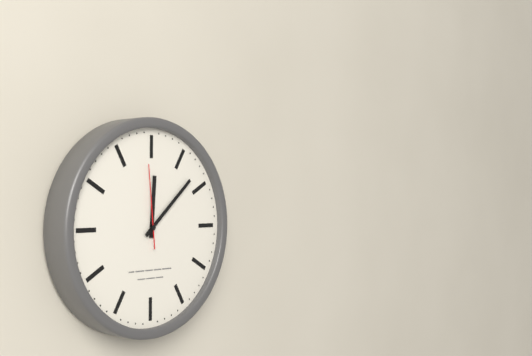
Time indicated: 12,08,59
